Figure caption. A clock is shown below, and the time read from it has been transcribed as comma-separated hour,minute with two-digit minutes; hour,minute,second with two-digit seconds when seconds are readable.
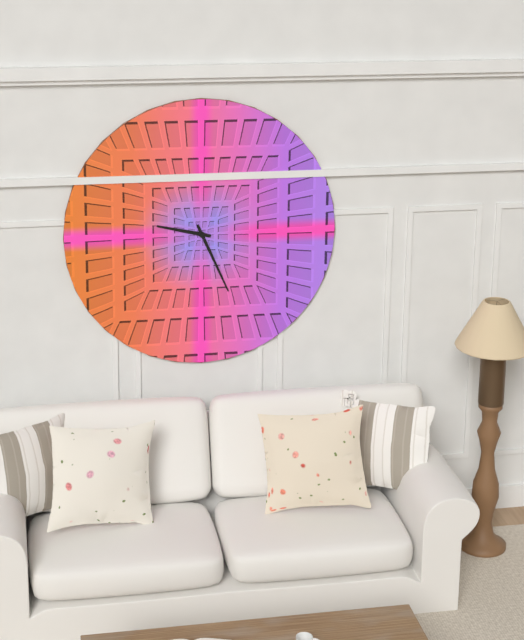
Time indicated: 9,26
